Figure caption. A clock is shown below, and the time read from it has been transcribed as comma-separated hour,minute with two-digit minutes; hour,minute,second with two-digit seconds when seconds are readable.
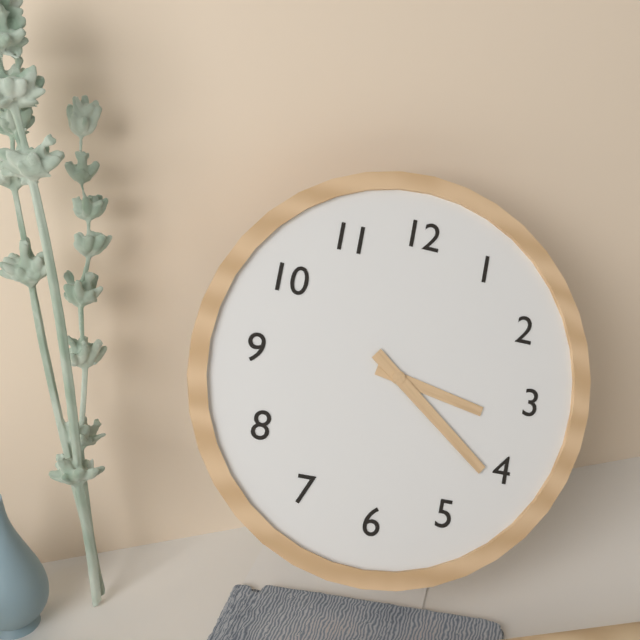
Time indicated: 3,21
